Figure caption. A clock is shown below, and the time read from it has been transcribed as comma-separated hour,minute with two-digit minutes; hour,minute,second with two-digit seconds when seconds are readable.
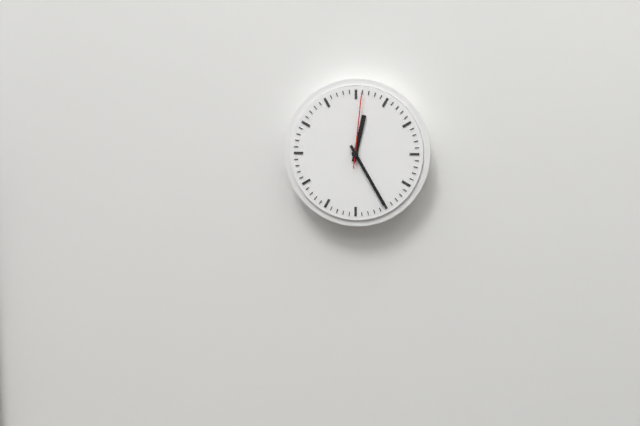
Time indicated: 12,25,01
